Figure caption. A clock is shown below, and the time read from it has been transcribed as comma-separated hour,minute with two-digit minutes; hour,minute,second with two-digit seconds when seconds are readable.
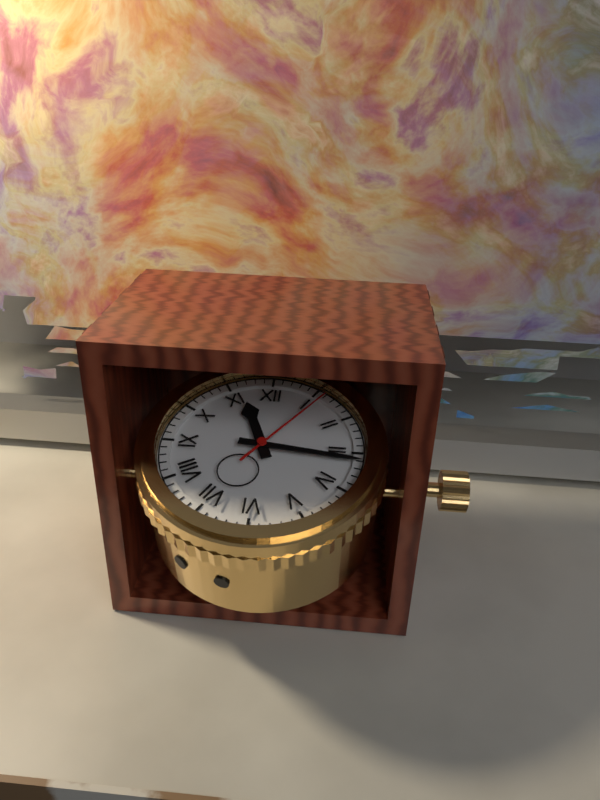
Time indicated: 11,16,06
